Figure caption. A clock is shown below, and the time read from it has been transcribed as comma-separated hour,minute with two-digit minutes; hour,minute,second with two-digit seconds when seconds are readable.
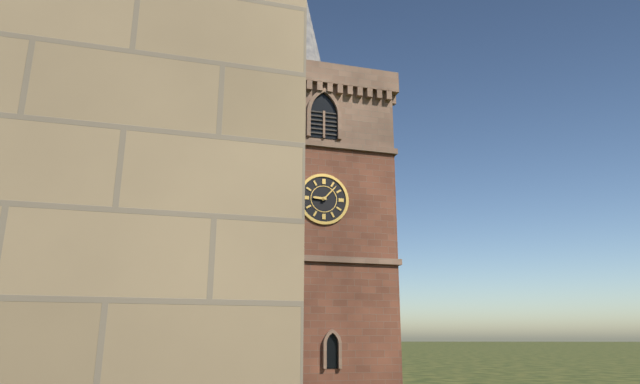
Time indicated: 9,07
